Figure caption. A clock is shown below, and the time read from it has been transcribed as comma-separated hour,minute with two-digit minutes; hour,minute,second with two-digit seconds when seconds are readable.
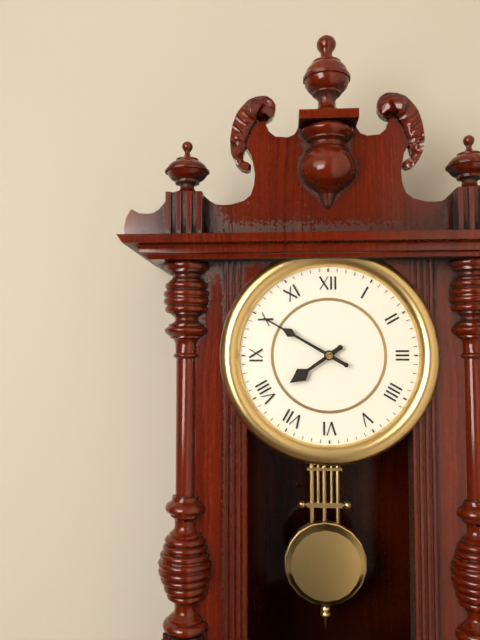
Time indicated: 7,50
